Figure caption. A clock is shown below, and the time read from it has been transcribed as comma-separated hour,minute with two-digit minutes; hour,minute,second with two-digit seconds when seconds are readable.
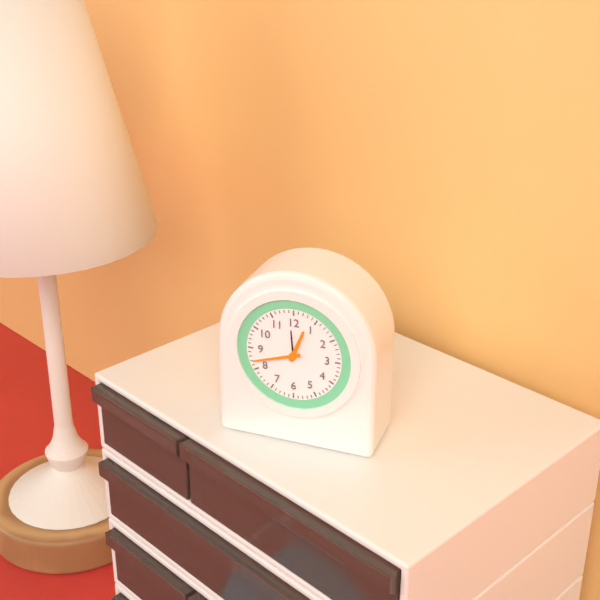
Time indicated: 12,42
